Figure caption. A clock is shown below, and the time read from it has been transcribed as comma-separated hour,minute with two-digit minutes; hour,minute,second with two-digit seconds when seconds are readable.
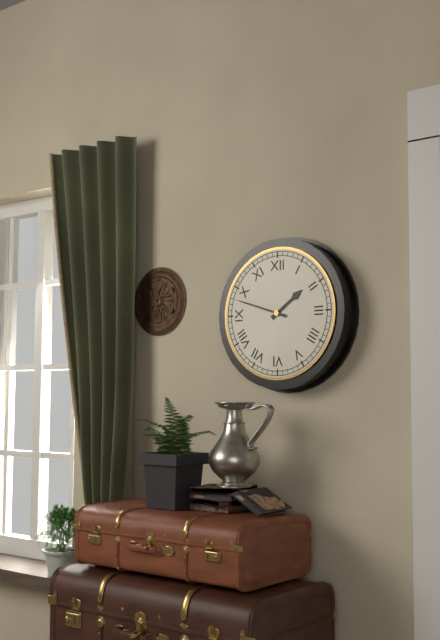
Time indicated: 1,48
